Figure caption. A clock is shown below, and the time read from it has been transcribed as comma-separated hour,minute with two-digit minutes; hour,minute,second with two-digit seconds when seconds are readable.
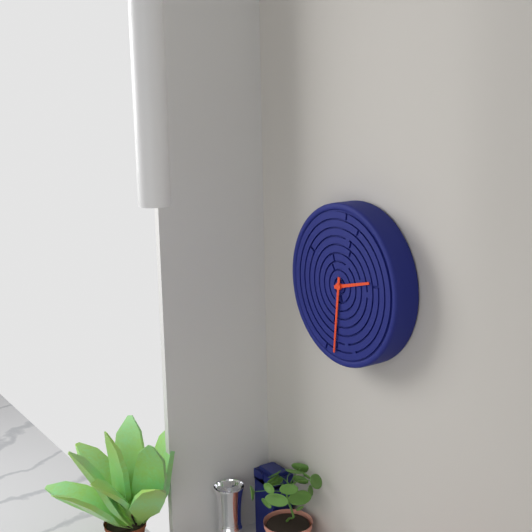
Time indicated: 2,31
